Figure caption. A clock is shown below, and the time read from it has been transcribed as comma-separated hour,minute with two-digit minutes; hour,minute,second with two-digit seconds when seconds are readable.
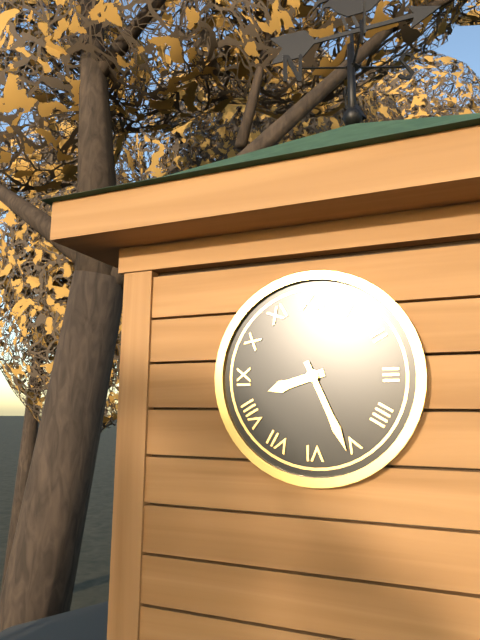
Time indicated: 8,26
